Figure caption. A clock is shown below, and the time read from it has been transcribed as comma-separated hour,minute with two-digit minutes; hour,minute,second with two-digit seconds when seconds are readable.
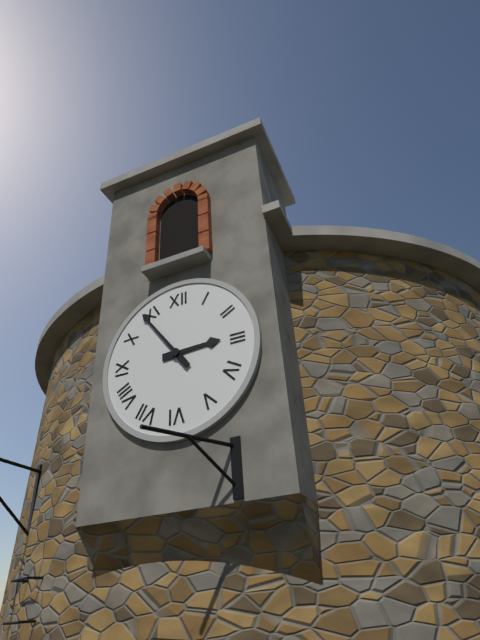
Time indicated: 2,54
